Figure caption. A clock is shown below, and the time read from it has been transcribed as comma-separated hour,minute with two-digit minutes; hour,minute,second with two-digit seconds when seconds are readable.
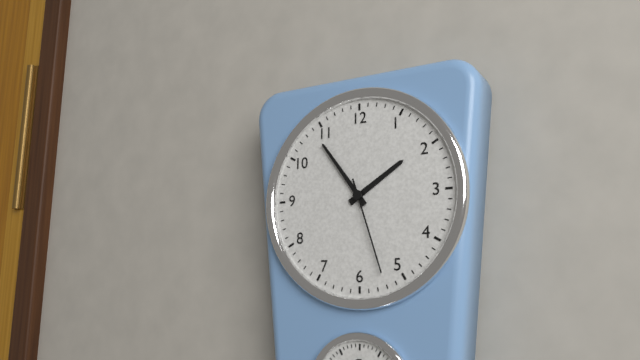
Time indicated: 1,54,27
